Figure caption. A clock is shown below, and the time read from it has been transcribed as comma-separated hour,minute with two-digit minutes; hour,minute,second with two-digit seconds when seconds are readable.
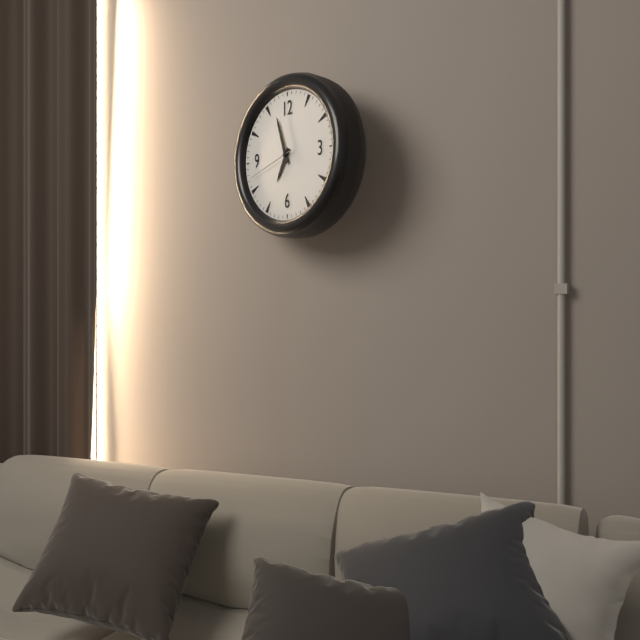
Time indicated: 6,57,42
